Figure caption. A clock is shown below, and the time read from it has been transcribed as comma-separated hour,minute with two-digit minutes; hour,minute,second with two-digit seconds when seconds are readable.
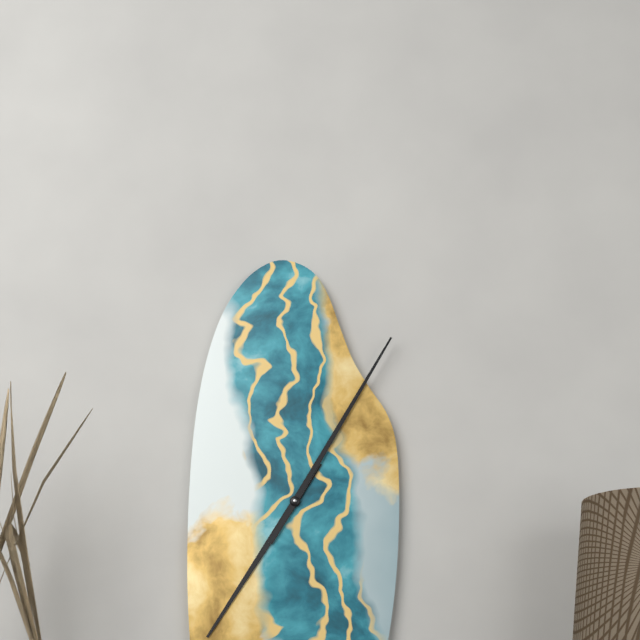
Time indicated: 7,05
